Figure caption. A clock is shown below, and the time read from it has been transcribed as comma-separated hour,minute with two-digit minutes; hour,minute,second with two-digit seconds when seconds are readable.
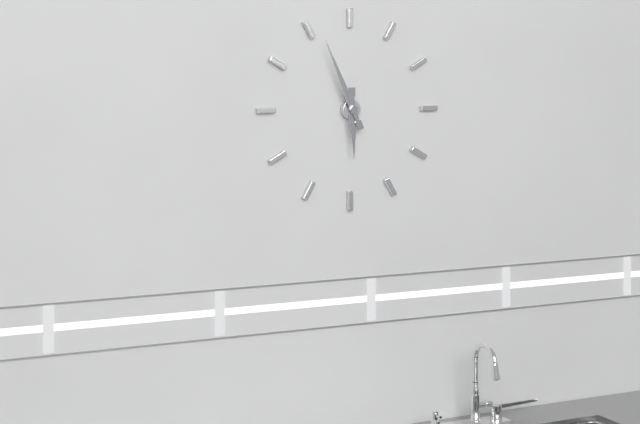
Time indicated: 5,56
